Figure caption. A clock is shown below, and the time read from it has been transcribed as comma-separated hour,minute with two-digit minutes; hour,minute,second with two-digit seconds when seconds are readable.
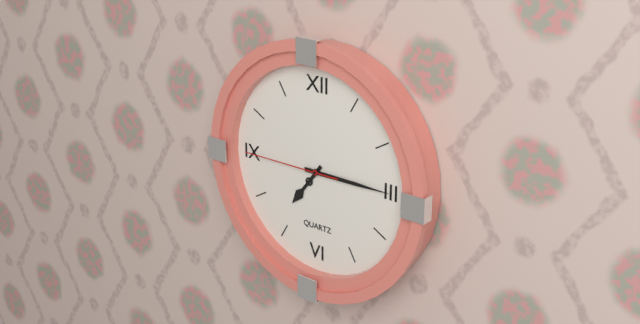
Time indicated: 7,15,45
